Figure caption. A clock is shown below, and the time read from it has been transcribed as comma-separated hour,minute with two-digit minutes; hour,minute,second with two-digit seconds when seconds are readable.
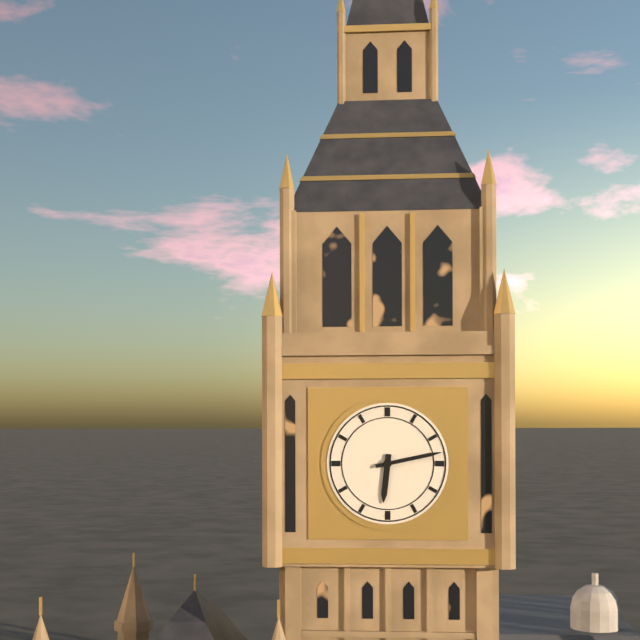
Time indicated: 6,13
